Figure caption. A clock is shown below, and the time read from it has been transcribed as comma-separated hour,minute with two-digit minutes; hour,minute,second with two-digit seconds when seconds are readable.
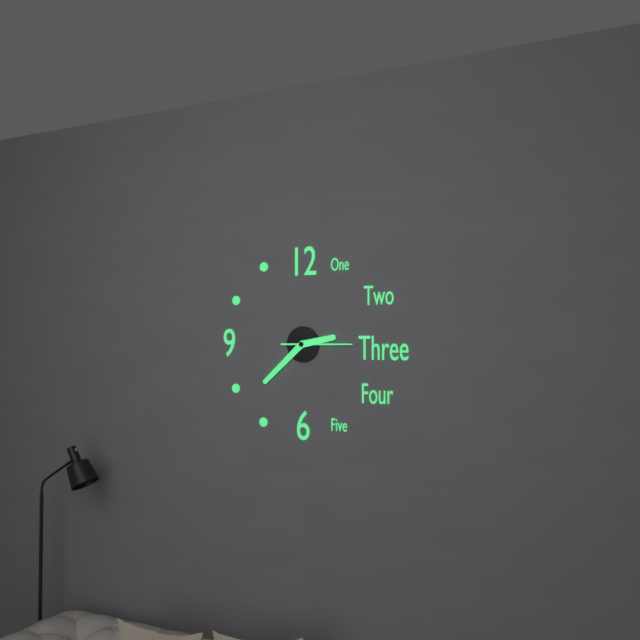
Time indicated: 2,38,15
